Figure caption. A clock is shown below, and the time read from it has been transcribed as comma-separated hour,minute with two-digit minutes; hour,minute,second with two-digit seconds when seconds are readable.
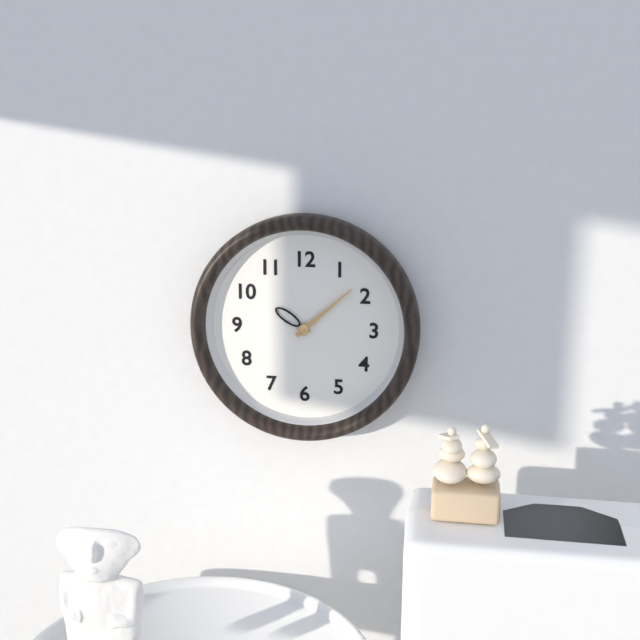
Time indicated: 10,08
